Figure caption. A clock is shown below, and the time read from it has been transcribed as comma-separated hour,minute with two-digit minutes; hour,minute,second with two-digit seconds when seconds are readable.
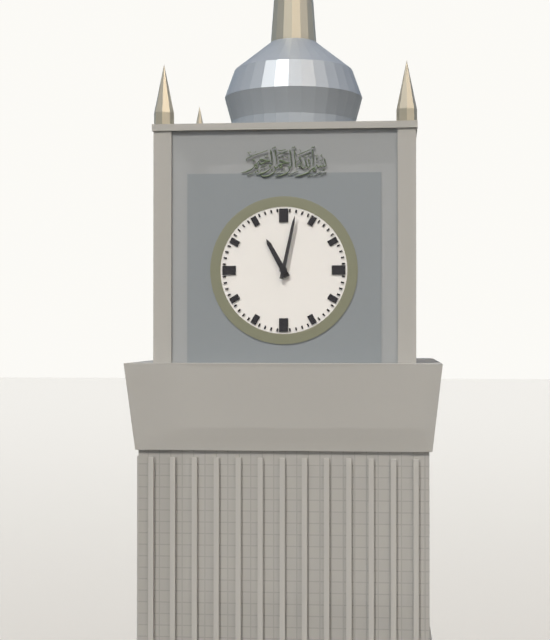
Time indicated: 11,02
